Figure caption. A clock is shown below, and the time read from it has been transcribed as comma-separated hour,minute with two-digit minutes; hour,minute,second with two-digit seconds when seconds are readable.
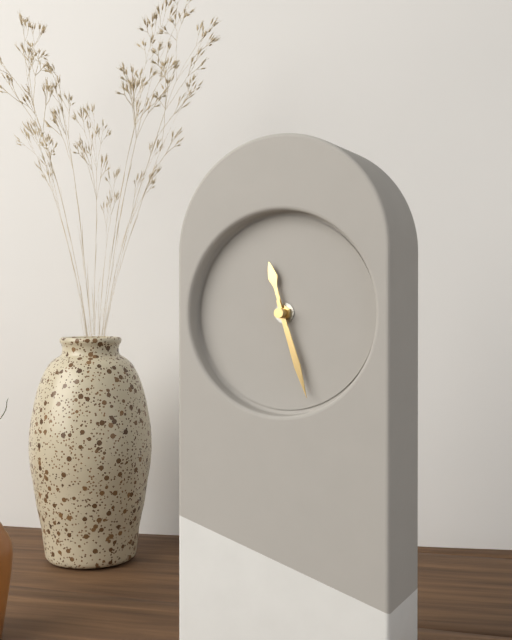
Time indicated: 11,27
